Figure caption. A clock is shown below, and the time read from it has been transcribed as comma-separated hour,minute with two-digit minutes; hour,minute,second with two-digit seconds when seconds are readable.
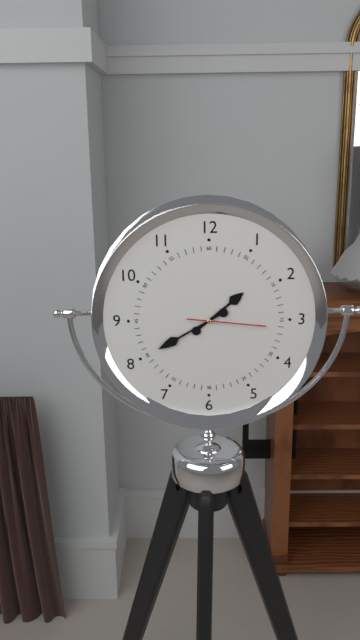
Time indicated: 1,40,16
